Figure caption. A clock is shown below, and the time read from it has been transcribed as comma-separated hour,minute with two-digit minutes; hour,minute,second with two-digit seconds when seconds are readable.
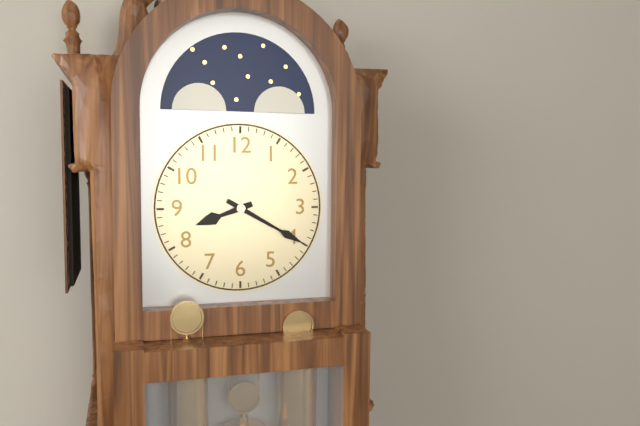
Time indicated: 8,20
